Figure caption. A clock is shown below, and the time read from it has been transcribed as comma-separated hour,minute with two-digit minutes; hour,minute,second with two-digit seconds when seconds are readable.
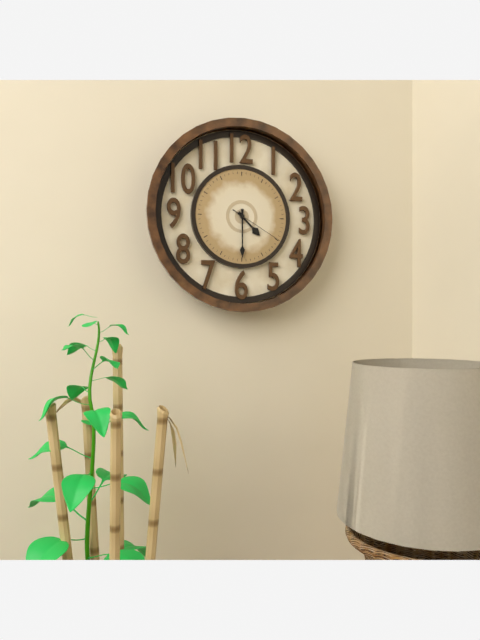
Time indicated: 4,30,20
